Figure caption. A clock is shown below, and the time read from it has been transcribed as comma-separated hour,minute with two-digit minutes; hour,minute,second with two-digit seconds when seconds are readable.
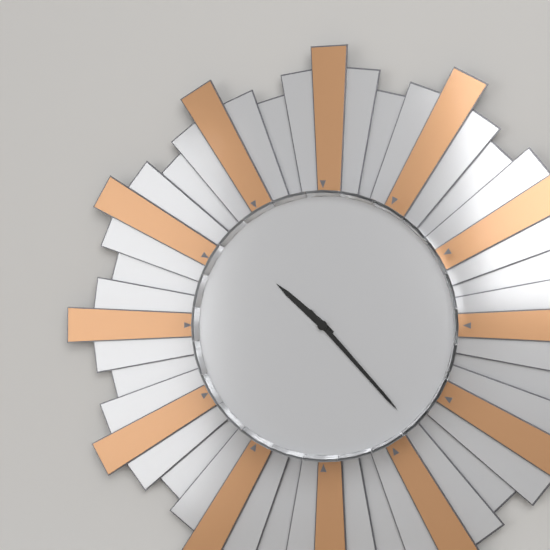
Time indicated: 10,23
